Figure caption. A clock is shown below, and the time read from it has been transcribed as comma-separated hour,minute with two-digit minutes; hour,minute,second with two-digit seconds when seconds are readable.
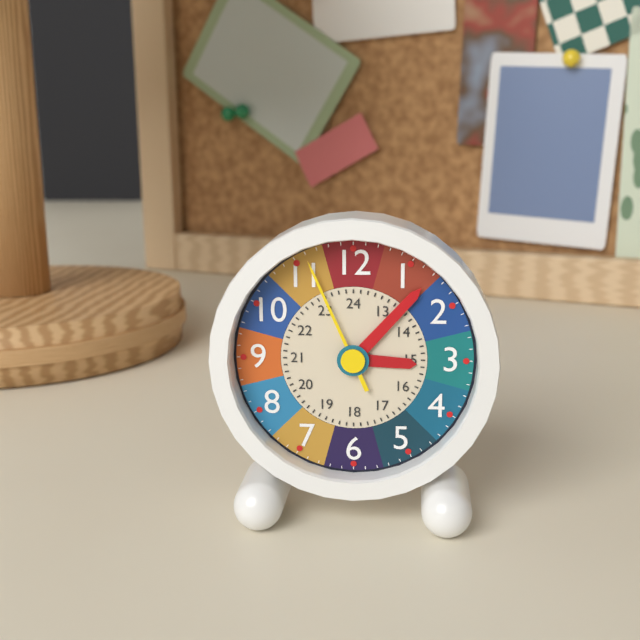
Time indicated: 3,07,56
